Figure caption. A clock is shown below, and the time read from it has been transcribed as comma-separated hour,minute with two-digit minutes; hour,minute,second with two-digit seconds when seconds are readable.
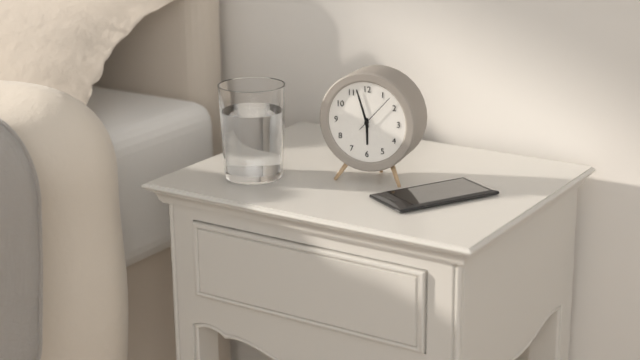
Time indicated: 5,57
